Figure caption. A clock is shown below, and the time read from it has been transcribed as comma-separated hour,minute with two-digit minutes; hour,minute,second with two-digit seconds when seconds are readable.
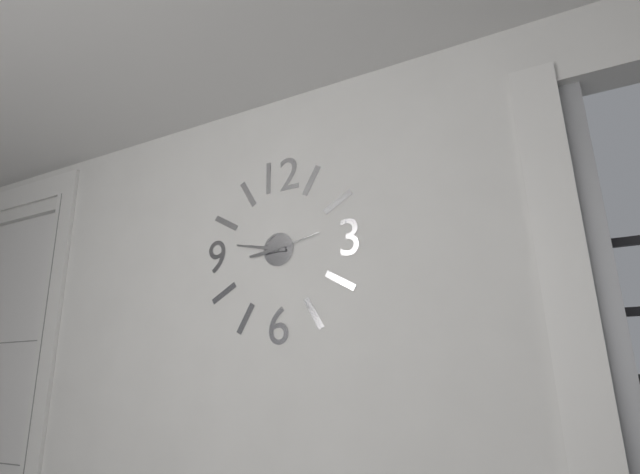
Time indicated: 8,47,13
